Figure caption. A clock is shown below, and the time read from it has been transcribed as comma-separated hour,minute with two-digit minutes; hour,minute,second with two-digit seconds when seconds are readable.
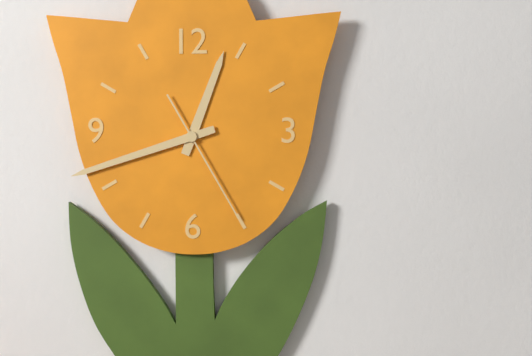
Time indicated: 12,42,25
